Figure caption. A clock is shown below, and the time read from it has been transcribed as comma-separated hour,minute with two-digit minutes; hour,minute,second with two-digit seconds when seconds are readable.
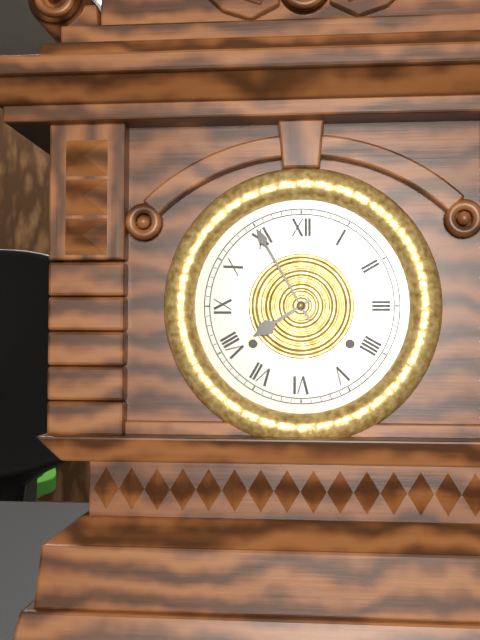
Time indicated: 7,55
